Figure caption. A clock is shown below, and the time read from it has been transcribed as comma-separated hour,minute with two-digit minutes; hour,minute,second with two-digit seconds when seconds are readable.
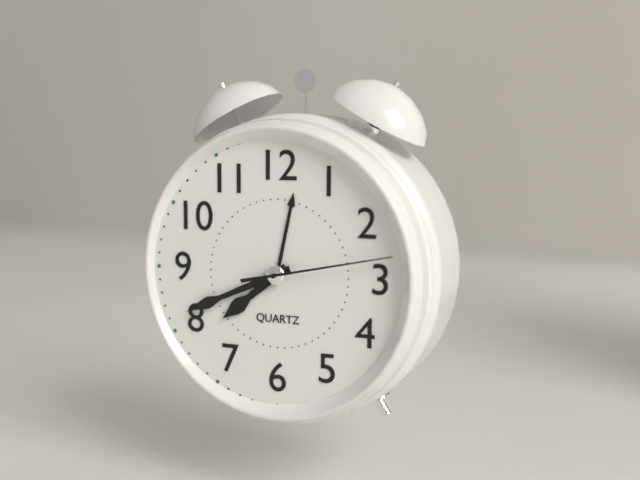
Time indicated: 7,41,13
